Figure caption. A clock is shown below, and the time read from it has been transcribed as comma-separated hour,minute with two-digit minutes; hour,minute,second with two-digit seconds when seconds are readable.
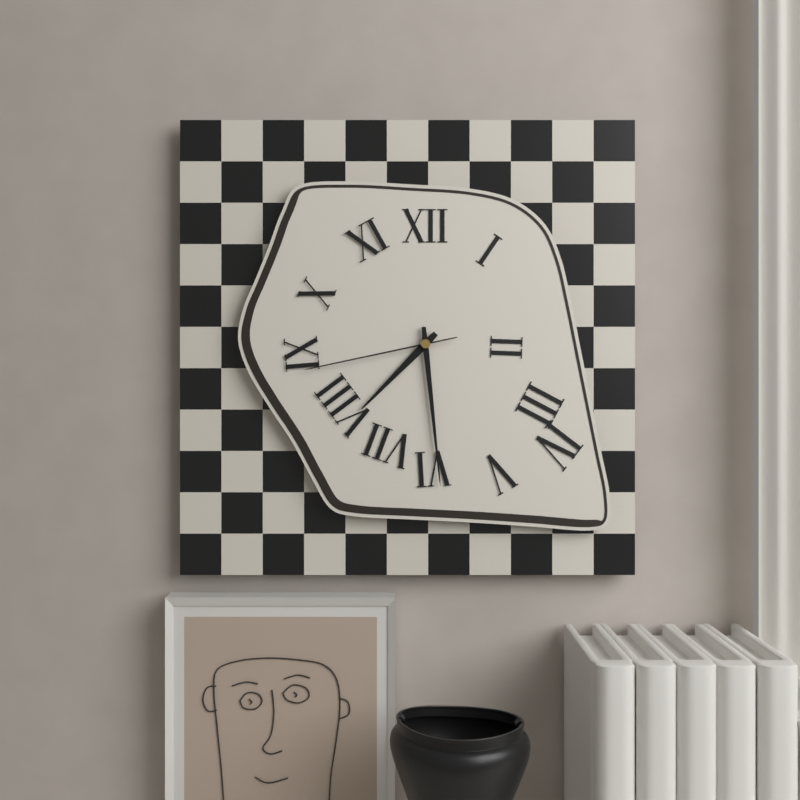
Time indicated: 7,29,43
